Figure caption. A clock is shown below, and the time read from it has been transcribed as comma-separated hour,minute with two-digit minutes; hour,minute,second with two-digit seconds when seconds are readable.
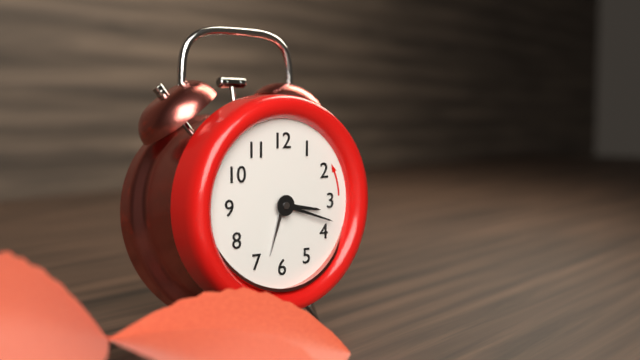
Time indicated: 3,18,33
